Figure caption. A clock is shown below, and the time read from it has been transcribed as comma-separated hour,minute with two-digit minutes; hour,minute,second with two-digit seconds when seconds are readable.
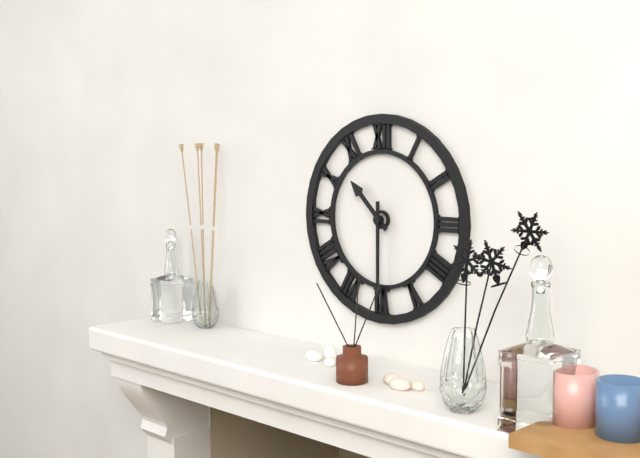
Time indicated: 10,30
